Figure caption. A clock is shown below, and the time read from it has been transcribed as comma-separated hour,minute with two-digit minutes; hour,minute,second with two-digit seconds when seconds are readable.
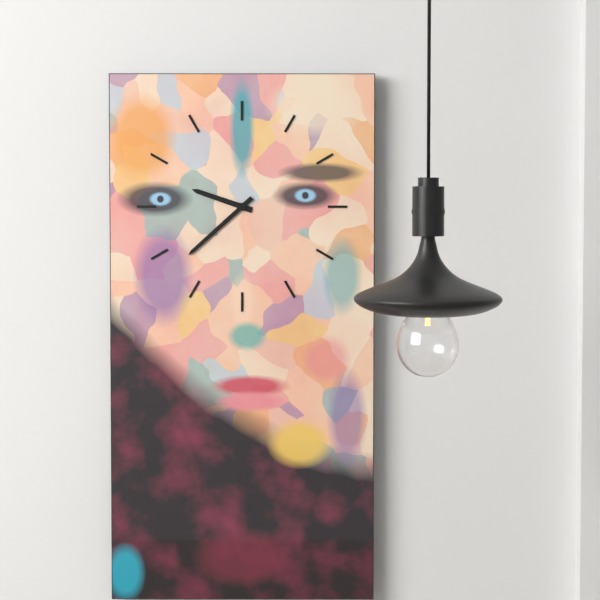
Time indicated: 9,38
